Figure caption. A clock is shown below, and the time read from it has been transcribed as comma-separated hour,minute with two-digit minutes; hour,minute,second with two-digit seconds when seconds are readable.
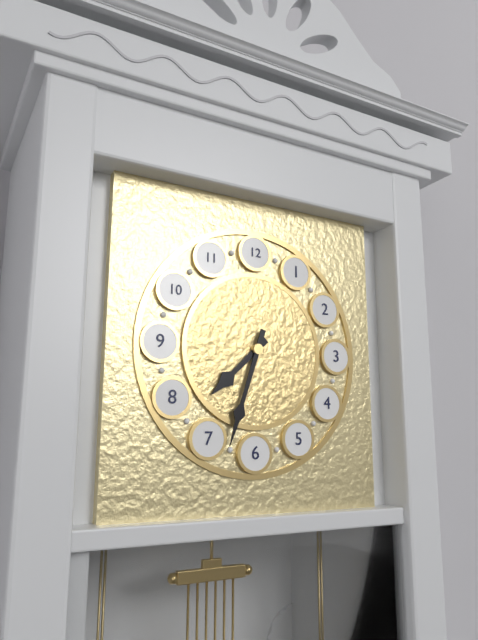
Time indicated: 7,33
